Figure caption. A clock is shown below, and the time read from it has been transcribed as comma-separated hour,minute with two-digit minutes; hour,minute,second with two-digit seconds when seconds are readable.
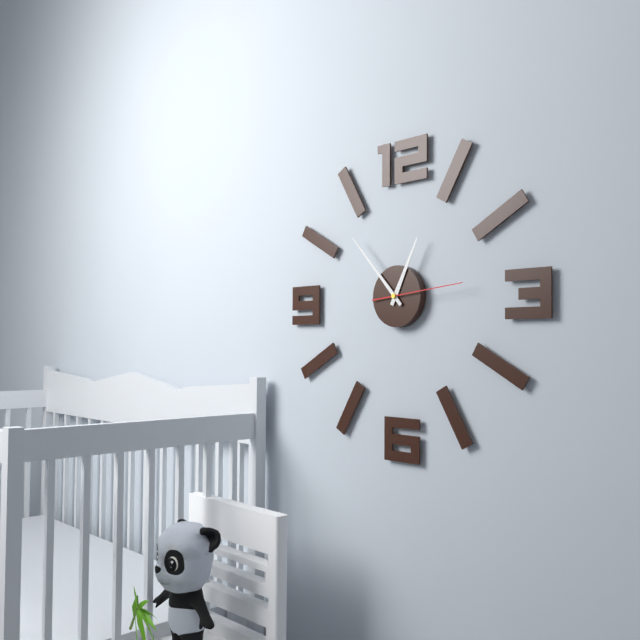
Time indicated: 12,53,14
